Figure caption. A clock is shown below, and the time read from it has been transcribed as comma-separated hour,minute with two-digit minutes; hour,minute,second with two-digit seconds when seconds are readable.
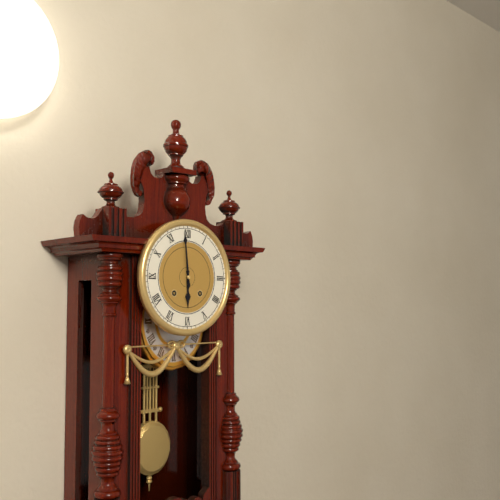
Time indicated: 5,59
